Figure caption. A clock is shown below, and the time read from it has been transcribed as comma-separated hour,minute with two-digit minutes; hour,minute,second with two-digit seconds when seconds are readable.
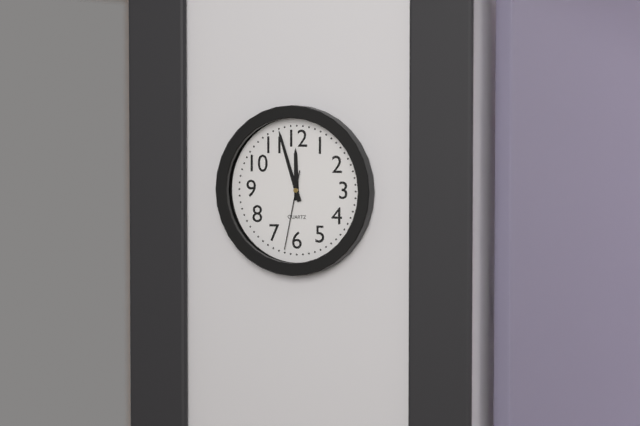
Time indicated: 11,57,32
